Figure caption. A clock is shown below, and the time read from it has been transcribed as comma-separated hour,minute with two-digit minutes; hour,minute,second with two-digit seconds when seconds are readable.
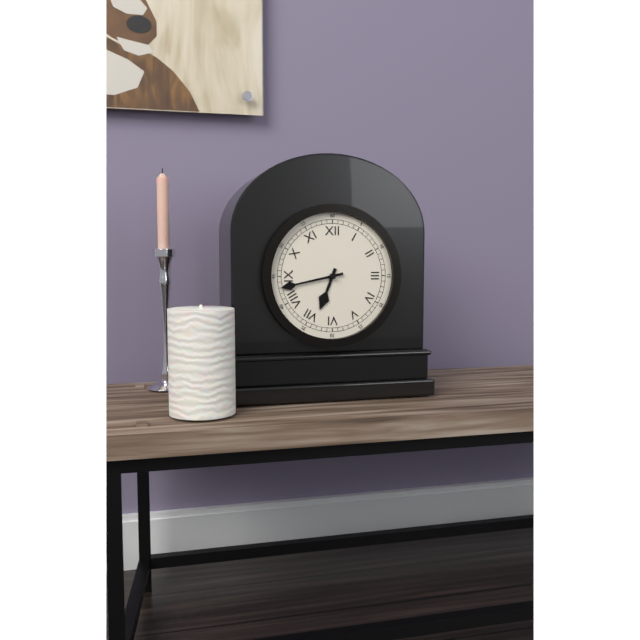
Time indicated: 6,43
